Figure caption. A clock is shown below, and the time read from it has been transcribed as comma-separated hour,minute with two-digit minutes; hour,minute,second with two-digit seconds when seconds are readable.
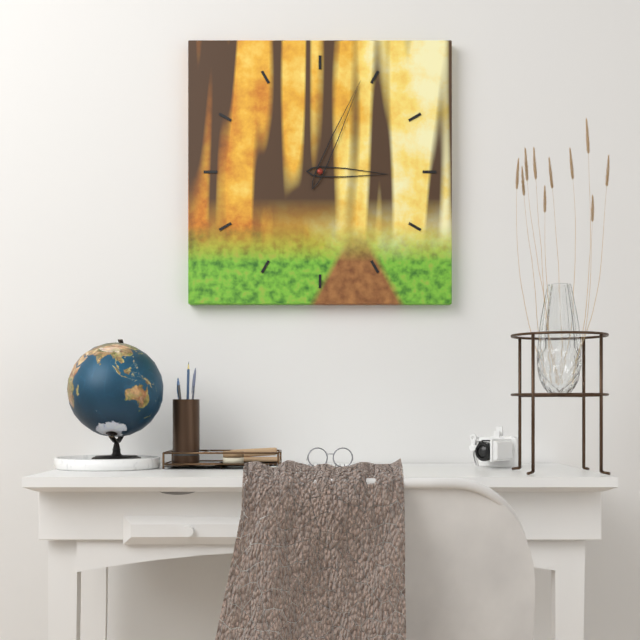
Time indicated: 3,04
